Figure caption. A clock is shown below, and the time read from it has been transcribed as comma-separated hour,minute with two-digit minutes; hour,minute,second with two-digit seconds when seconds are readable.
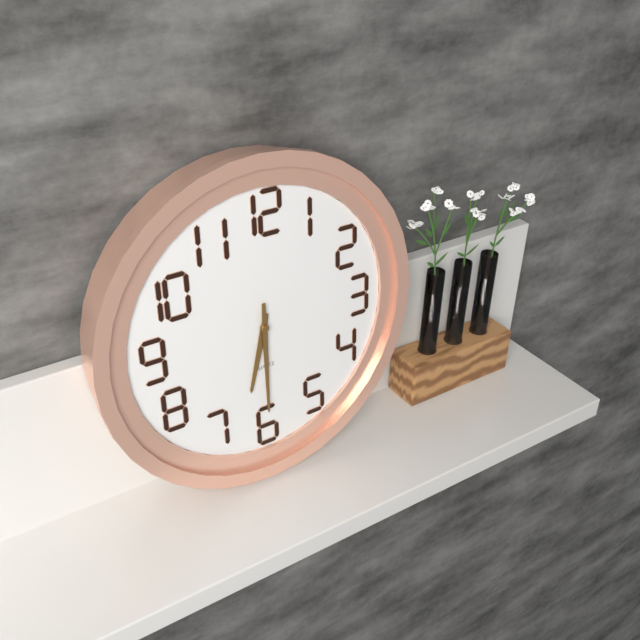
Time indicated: 6,30
